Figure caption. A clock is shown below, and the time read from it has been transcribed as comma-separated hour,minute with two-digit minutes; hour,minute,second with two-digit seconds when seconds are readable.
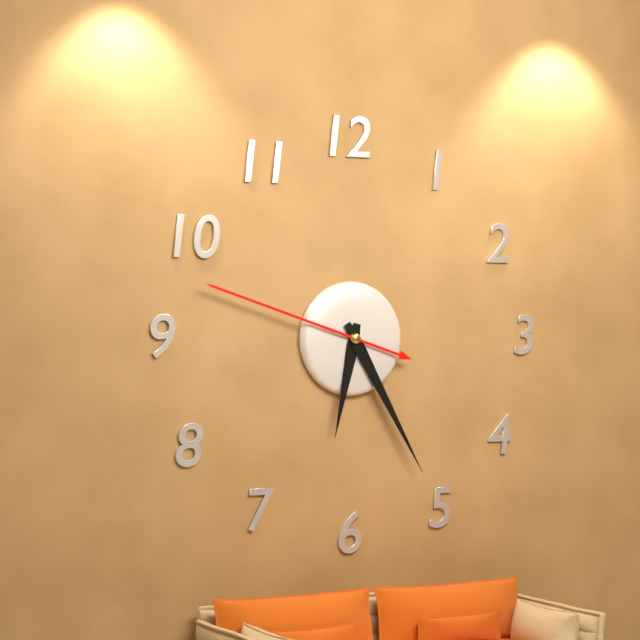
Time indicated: 6,25,48
